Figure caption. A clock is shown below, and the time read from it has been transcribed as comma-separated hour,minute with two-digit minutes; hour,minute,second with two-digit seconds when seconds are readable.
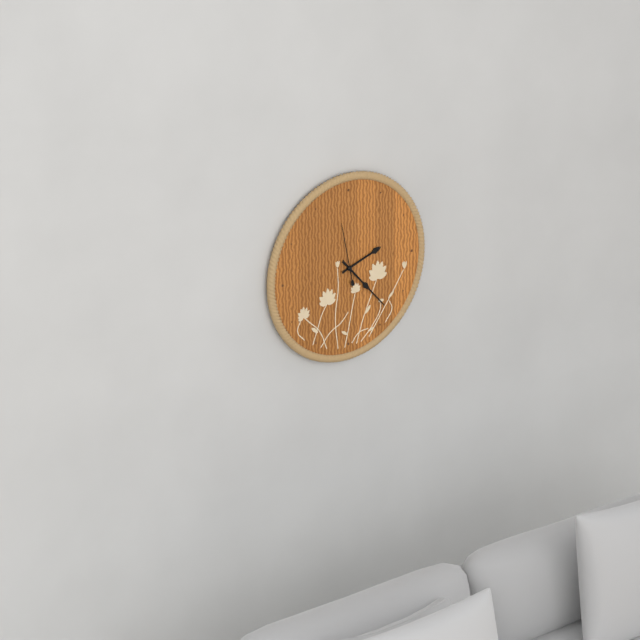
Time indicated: 2,23,58
